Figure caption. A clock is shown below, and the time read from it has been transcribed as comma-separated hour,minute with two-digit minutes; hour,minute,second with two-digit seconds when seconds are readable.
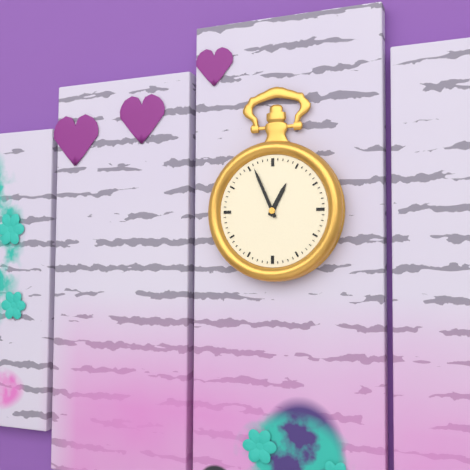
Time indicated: 12,56
